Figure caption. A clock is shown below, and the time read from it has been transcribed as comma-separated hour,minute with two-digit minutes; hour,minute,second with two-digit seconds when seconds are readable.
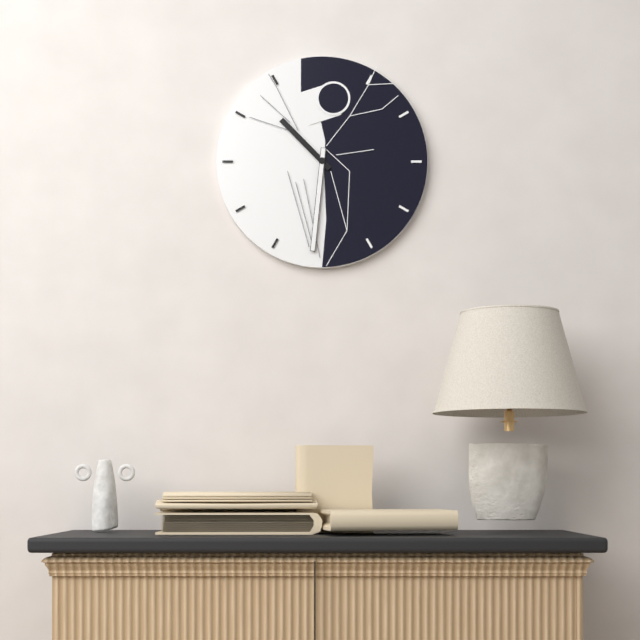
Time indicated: 10,31
